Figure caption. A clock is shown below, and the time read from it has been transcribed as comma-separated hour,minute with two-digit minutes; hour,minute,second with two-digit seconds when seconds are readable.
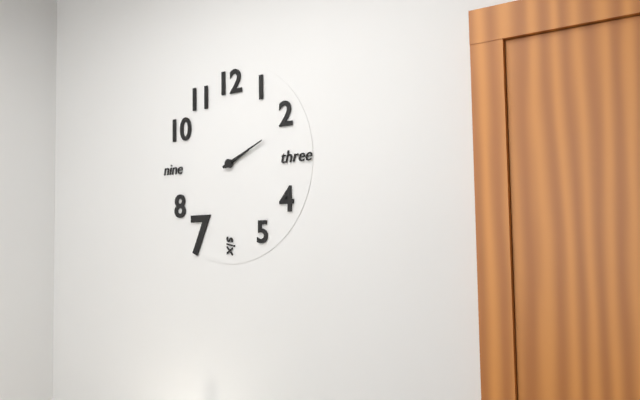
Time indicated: 2,11
